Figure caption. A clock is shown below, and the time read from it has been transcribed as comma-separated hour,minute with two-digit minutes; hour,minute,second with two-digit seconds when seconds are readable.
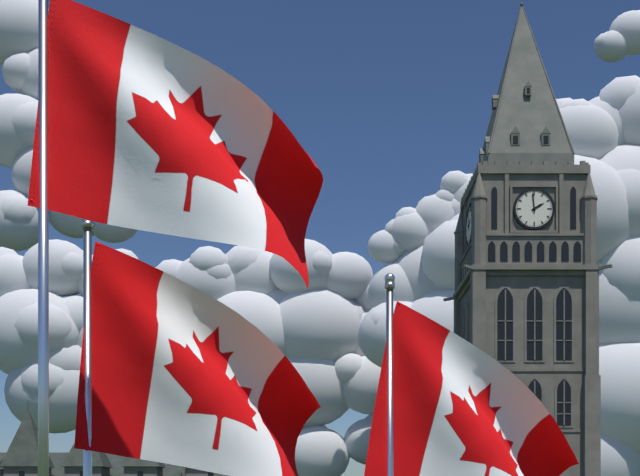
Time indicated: 1,59
